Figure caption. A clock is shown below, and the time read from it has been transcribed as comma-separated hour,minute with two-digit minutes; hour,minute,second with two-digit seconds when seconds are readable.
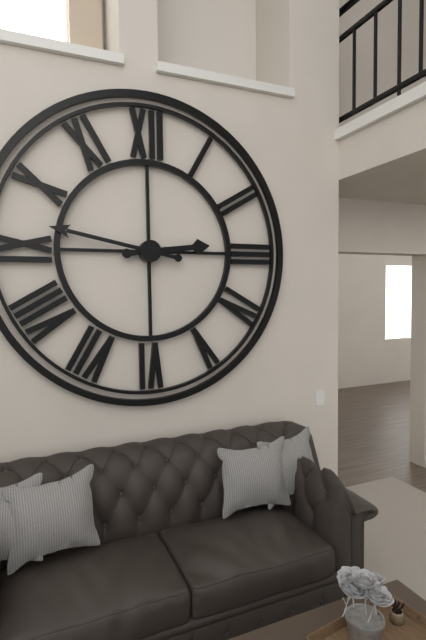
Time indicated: 2,47
